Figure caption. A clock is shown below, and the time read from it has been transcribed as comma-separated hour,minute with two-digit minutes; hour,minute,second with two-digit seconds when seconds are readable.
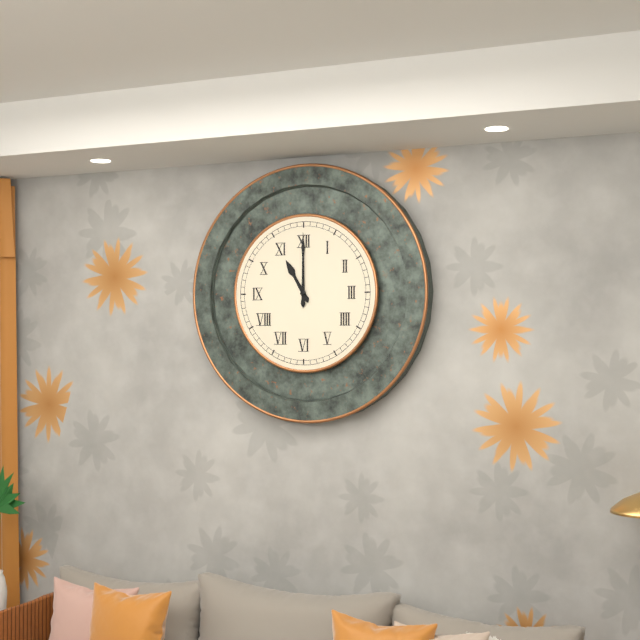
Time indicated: 11,00
